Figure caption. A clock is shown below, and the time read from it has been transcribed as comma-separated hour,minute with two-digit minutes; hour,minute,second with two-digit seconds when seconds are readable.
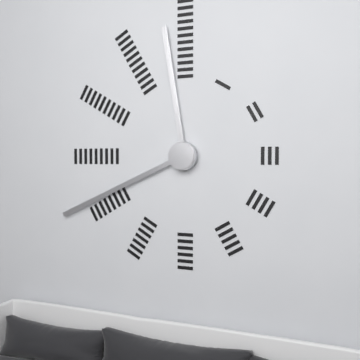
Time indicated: 11,41
